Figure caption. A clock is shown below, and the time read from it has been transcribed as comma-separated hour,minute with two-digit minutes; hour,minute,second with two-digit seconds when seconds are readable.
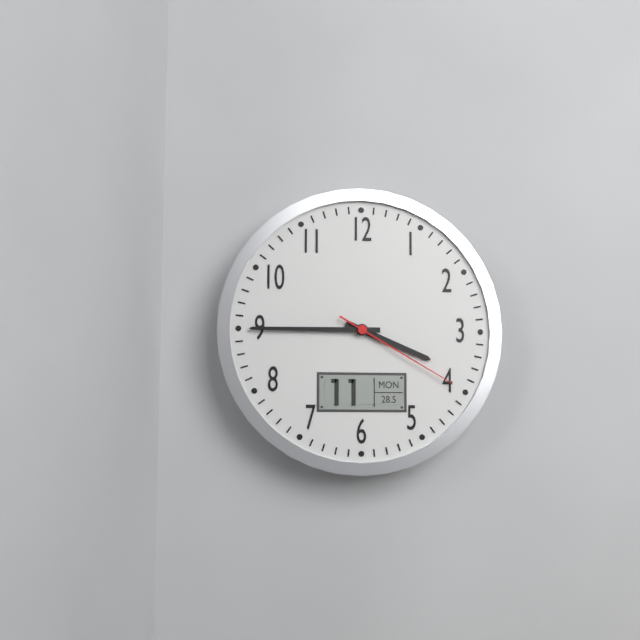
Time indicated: 3,45,20
